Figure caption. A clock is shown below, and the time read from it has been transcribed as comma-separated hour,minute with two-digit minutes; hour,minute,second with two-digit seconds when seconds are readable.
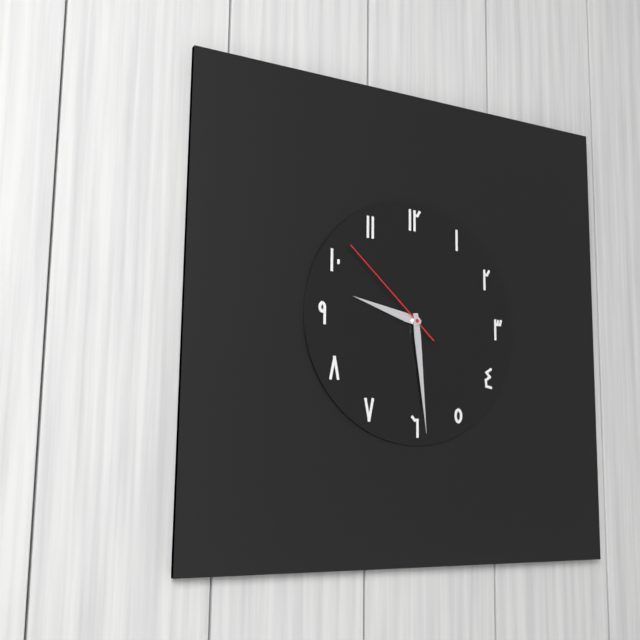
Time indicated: 9,29,52
